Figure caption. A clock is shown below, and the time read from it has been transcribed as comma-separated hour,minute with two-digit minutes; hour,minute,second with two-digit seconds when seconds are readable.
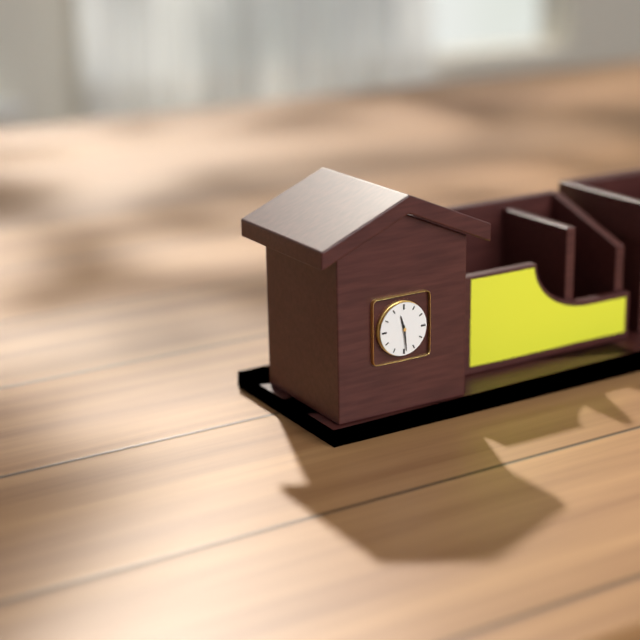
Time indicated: 11,29
